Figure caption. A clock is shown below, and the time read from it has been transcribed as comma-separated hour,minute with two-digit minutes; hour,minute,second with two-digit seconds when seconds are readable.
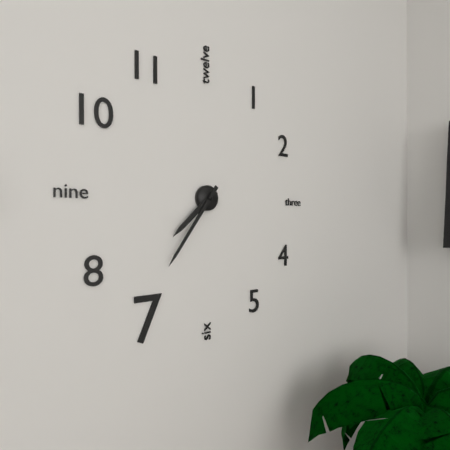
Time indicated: 7,36
